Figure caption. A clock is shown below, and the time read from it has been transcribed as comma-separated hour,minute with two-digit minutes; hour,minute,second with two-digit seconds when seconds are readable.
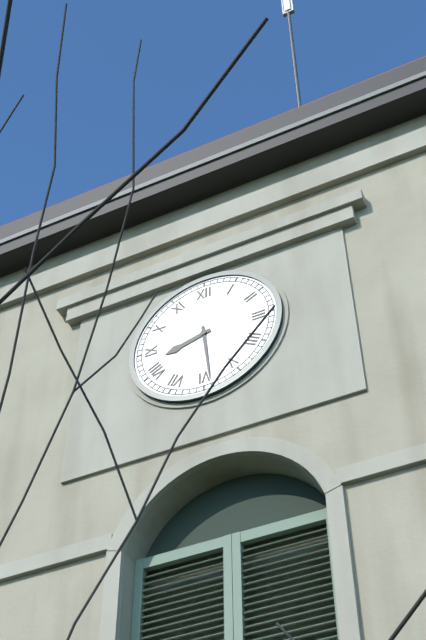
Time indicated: 8,29
